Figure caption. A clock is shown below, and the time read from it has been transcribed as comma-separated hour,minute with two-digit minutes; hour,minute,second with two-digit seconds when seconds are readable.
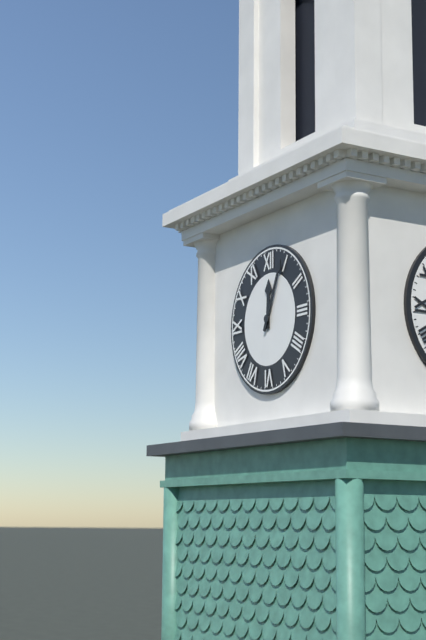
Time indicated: 12,04
